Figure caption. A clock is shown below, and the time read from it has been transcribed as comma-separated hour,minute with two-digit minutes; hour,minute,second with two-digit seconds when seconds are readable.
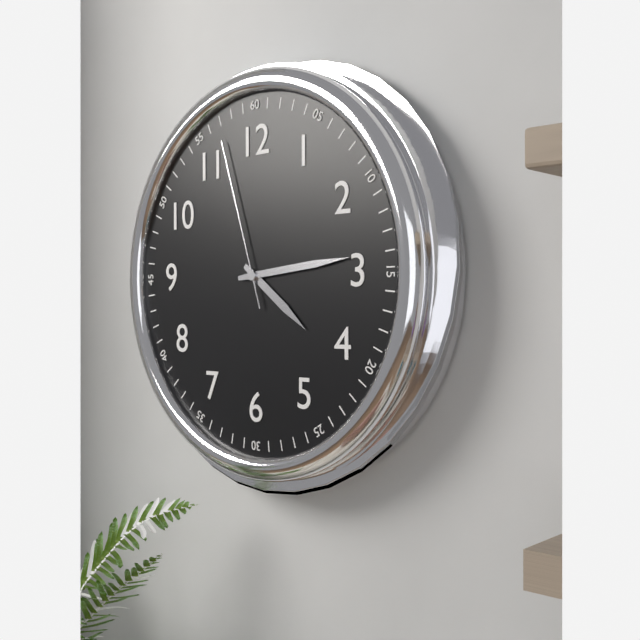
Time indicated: 4,14,57
